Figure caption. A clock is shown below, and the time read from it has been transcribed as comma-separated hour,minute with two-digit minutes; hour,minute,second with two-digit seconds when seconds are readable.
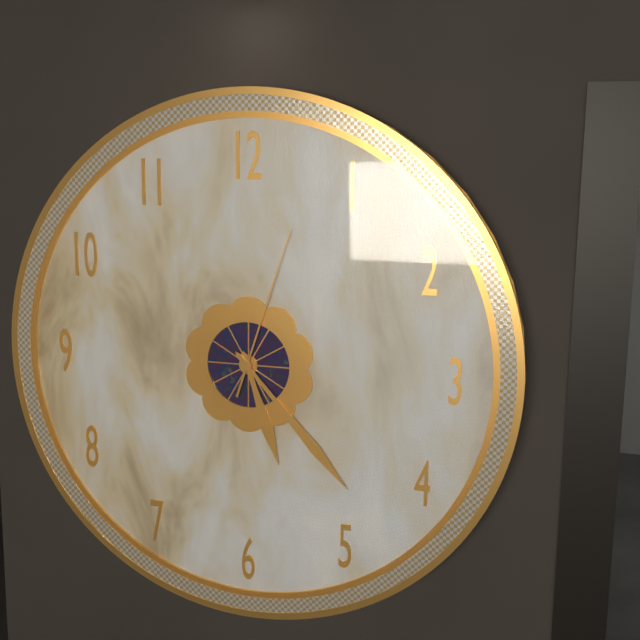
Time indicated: 5,23,03
